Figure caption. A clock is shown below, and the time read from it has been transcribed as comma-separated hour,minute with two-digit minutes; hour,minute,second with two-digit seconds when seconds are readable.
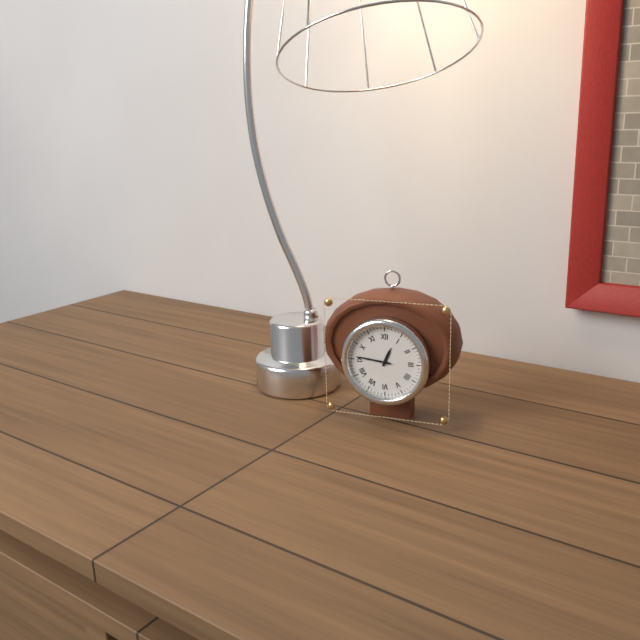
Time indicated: 12,46
